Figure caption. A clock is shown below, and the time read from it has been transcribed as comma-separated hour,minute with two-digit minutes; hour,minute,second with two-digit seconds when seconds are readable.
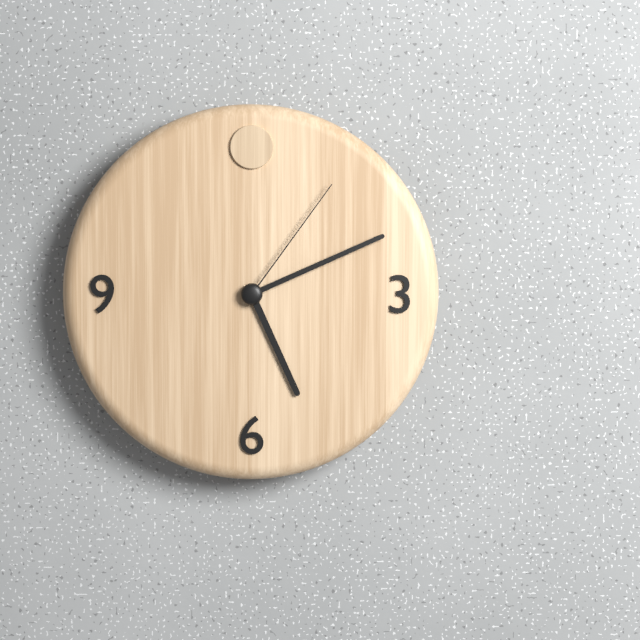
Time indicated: 5,11,06
